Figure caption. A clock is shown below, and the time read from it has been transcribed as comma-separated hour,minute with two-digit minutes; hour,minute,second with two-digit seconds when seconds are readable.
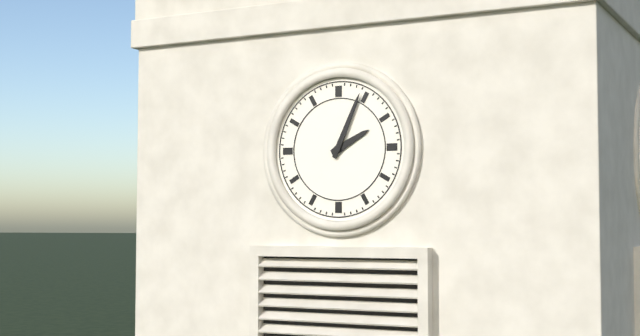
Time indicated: 2,04
